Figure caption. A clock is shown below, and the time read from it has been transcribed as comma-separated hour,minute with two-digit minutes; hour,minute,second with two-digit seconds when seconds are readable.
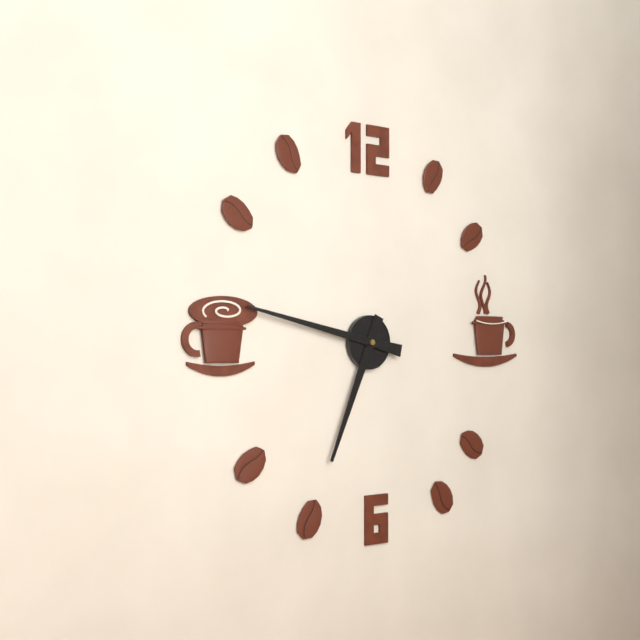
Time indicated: 6,47
